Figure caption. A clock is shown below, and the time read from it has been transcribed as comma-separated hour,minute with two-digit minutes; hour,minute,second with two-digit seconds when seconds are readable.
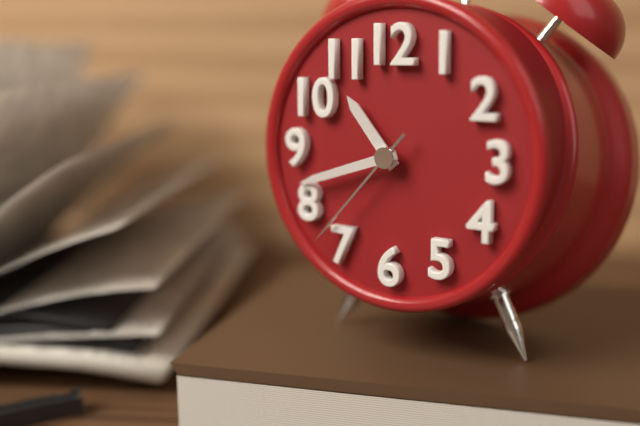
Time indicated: 10,42,37
